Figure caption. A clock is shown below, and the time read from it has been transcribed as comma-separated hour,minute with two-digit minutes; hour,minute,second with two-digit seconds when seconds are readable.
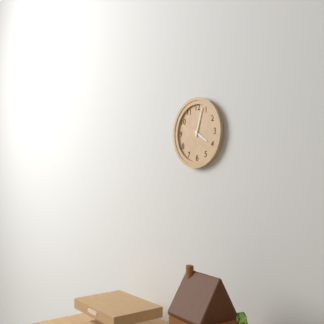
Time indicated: 4,03
